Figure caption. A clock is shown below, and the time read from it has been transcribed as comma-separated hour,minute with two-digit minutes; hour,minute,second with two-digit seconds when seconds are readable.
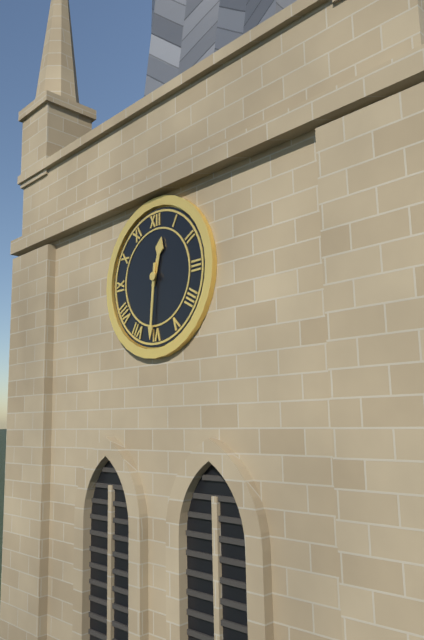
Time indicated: 12,31
